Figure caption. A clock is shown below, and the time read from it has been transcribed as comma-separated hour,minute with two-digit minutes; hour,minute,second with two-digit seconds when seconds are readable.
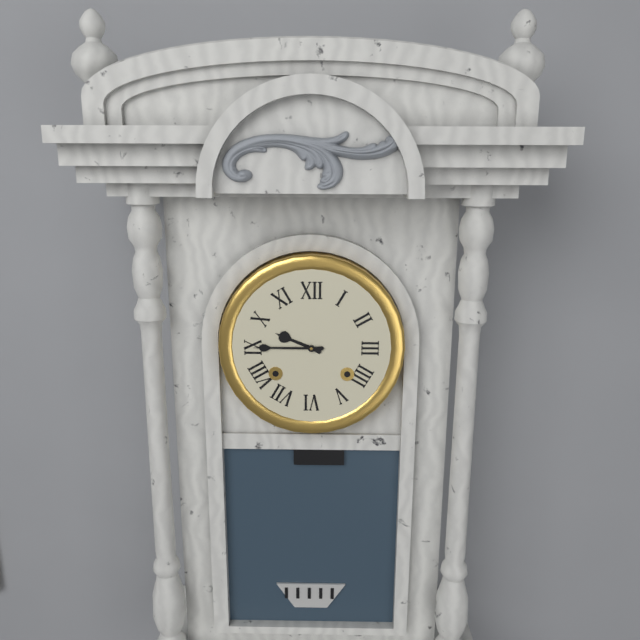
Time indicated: 9,45
